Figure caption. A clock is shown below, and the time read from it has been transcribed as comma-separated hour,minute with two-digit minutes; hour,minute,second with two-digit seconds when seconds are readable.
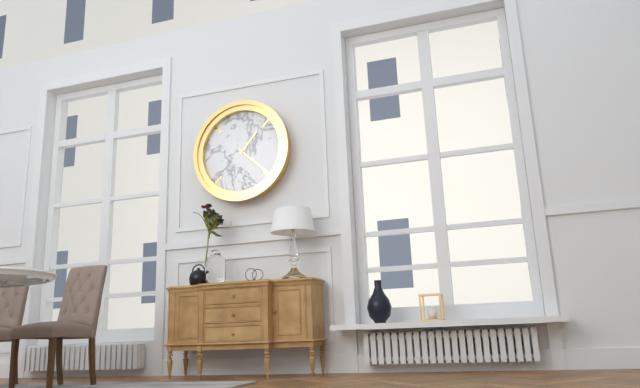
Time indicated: 1,22
